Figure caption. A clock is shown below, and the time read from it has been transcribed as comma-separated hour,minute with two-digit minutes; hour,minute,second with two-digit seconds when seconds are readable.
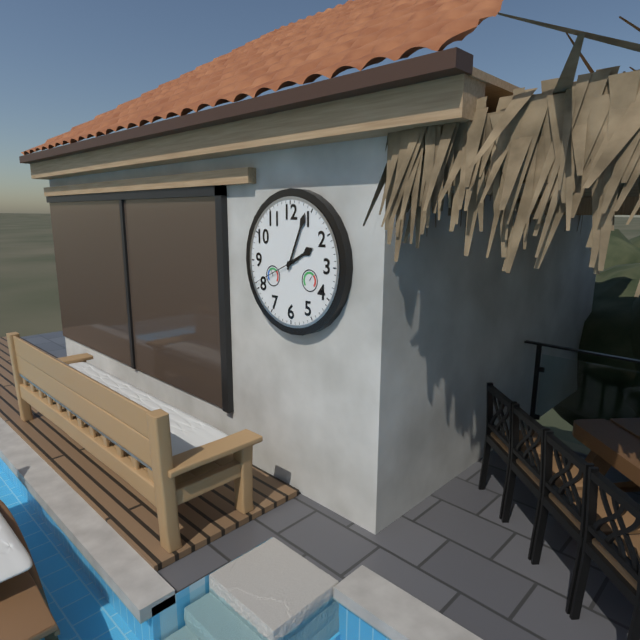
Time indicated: 2,04
